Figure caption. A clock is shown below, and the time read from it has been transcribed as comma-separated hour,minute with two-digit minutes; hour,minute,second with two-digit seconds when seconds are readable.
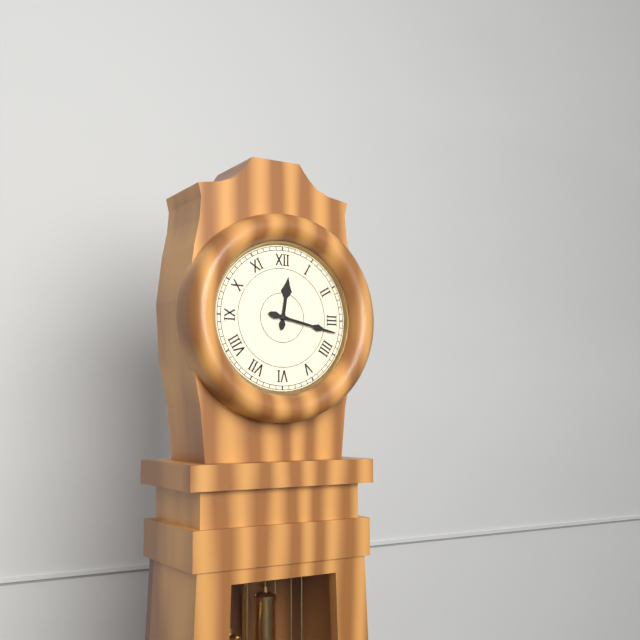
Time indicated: 12,17
